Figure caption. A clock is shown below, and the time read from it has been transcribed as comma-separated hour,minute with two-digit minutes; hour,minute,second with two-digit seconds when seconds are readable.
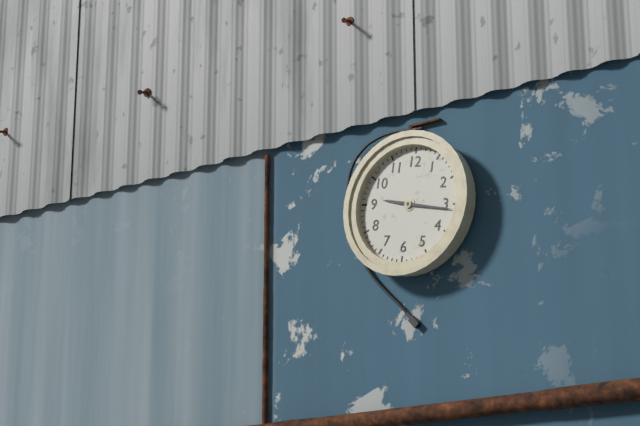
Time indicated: 9,16
